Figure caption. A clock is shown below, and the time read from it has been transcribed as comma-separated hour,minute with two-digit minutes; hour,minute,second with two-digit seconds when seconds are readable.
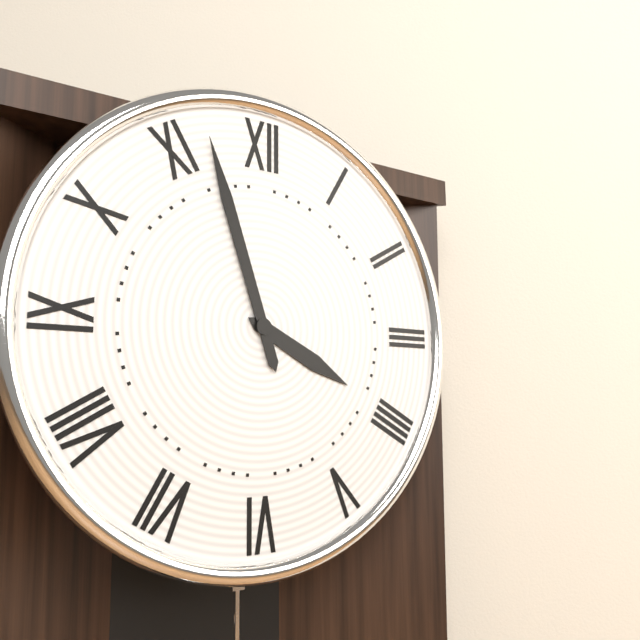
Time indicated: 3,57
